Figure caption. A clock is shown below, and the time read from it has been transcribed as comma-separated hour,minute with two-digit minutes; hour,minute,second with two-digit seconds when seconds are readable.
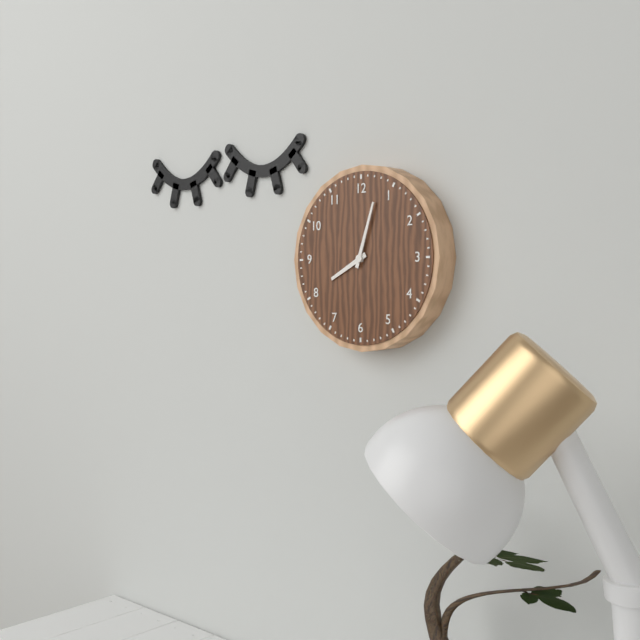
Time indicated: 8,03
